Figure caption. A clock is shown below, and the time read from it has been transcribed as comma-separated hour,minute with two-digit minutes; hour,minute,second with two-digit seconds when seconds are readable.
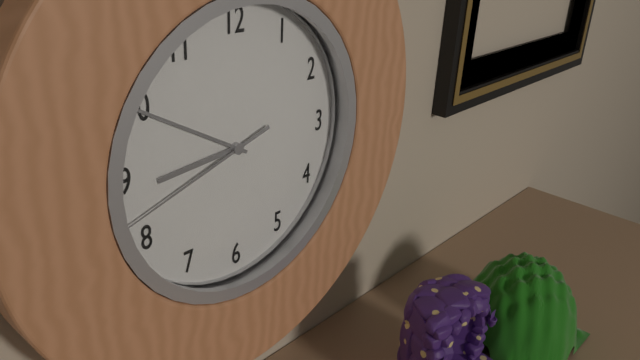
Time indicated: 8,50,42
